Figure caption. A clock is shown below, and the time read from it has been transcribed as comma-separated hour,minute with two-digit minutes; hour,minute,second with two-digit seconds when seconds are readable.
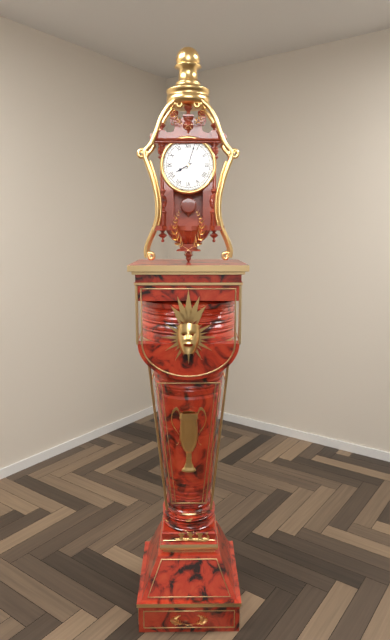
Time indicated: 8,03
